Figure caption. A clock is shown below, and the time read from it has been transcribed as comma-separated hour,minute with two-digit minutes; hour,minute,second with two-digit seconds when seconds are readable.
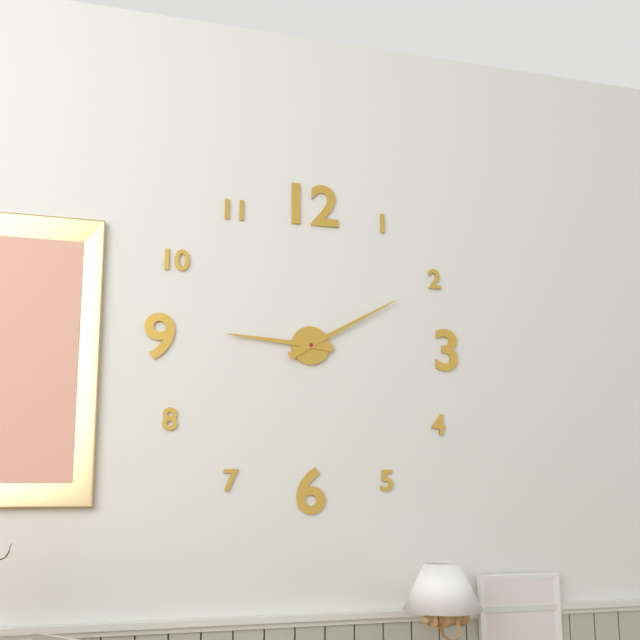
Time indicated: 9,10
